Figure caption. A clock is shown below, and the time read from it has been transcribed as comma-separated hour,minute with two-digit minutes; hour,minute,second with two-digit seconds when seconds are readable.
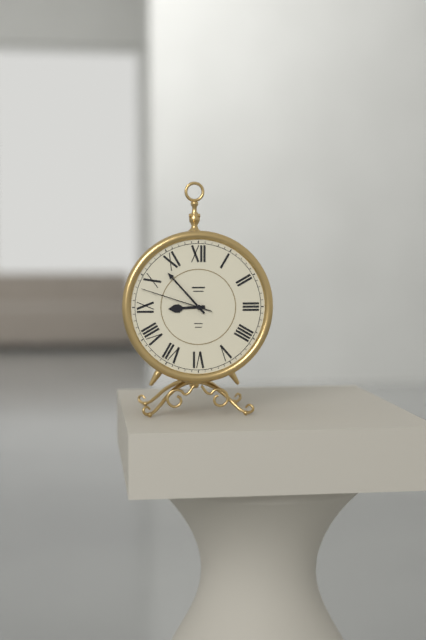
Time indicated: 8,53,48
